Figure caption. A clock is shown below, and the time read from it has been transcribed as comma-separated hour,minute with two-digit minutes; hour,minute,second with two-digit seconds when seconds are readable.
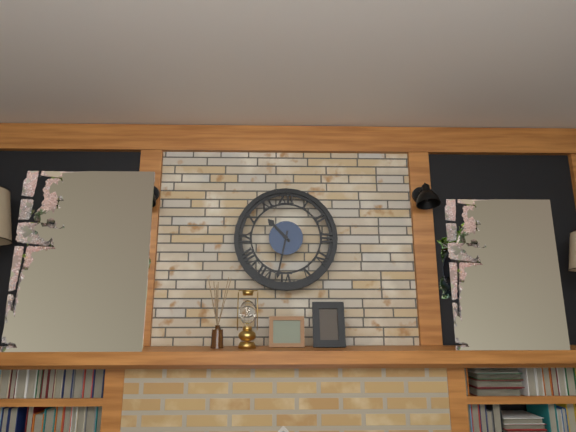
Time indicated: 10,32
